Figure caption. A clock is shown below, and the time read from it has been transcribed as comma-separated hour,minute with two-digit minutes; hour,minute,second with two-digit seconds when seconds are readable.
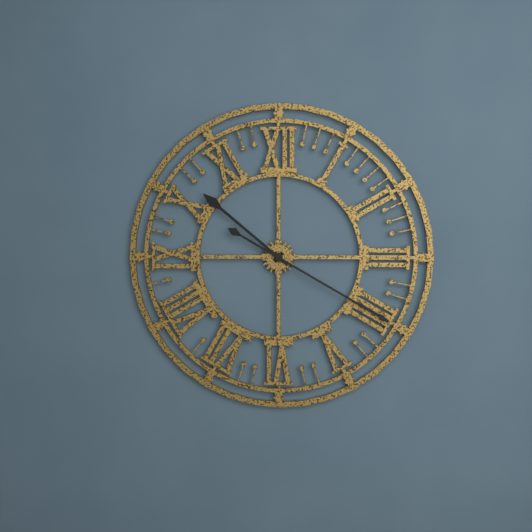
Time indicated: 10,20
